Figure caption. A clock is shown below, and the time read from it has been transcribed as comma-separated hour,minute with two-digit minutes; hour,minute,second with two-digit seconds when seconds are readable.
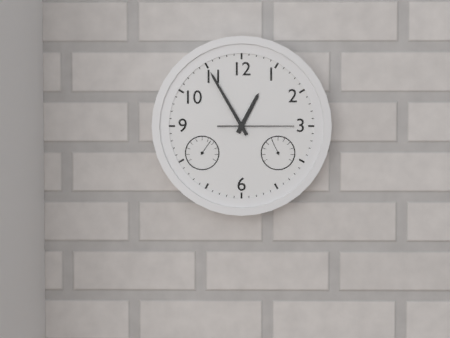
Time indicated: 12,55,15
